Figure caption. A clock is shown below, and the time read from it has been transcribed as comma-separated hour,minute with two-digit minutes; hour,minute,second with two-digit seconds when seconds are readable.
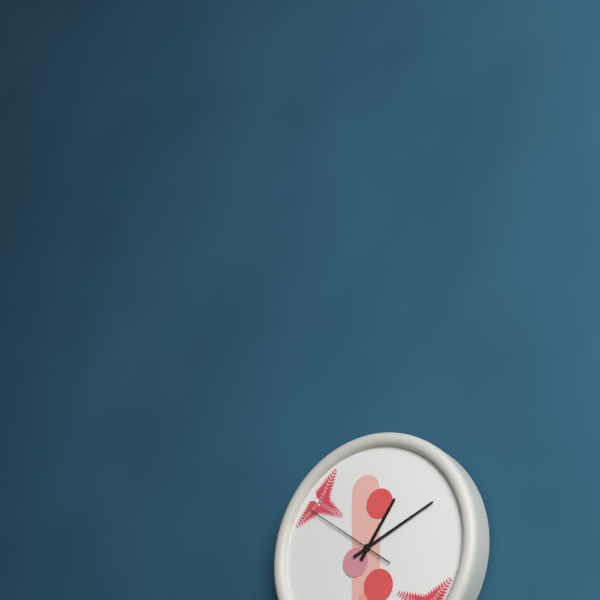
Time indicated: 1,11,51
